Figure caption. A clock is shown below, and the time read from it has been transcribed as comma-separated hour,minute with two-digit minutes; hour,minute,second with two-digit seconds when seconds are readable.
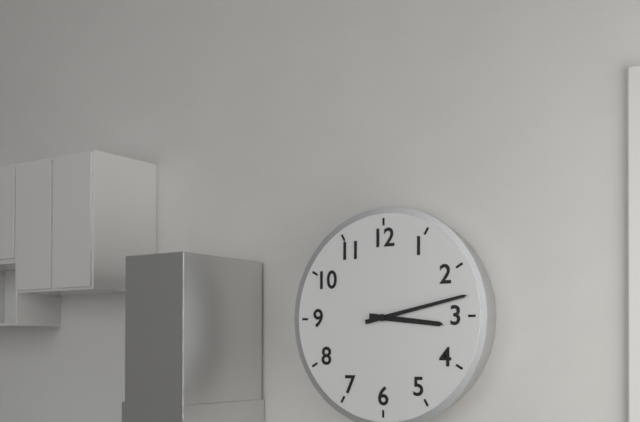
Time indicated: 3,13
